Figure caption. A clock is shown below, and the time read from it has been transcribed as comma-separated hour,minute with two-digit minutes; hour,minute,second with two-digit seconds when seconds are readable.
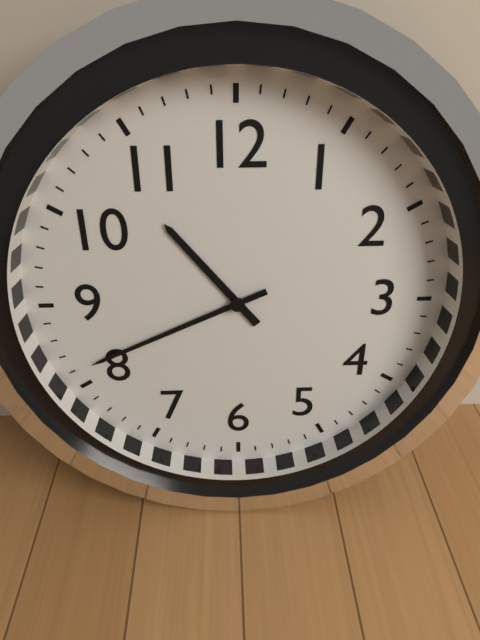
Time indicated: 10,41
